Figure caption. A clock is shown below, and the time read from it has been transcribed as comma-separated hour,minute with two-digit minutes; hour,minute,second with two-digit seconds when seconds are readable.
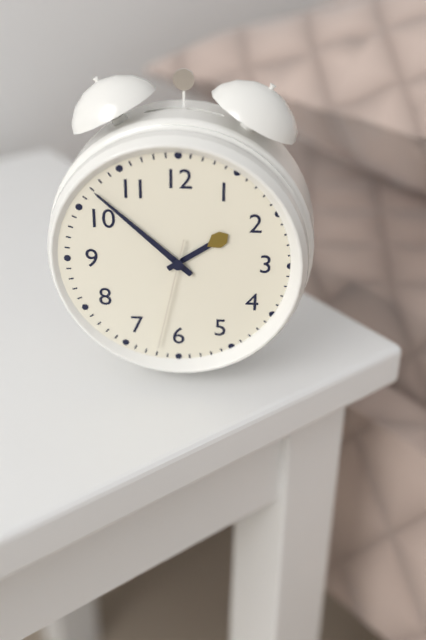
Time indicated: 1,52,32
